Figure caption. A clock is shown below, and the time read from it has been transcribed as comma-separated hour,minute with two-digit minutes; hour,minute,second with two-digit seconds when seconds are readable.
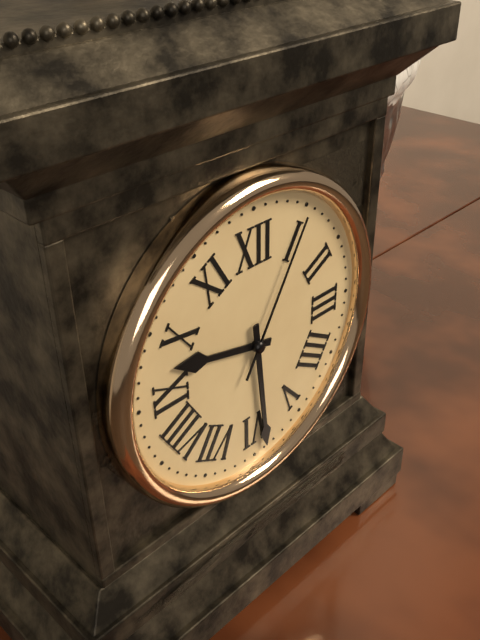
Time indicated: 9,29,05
